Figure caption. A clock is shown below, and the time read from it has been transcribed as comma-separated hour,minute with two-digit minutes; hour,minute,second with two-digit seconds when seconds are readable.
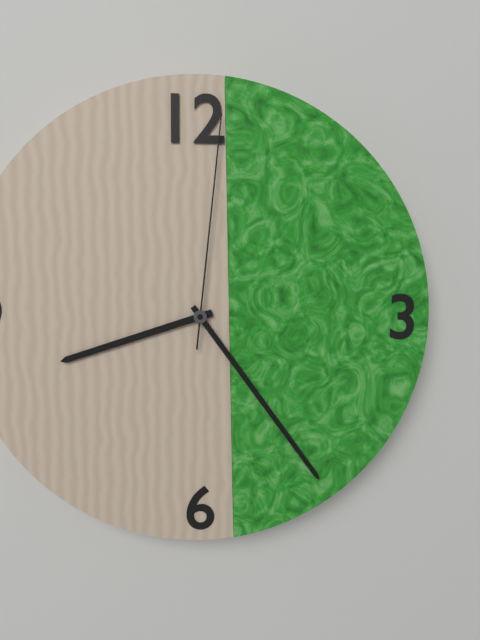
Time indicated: 8,24,01
